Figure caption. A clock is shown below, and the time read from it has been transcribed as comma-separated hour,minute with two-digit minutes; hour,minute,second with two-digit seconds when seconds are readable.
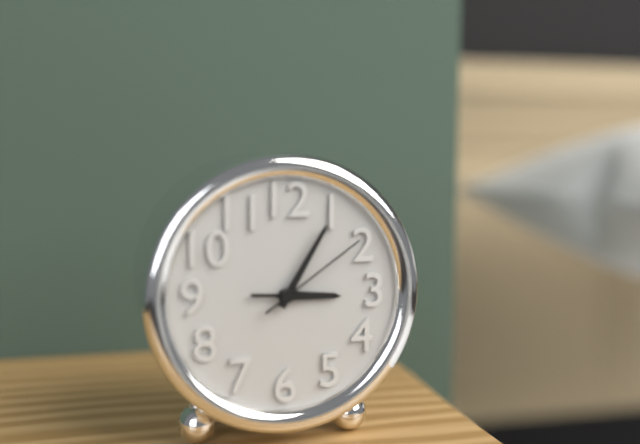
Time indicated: 3,05,09
